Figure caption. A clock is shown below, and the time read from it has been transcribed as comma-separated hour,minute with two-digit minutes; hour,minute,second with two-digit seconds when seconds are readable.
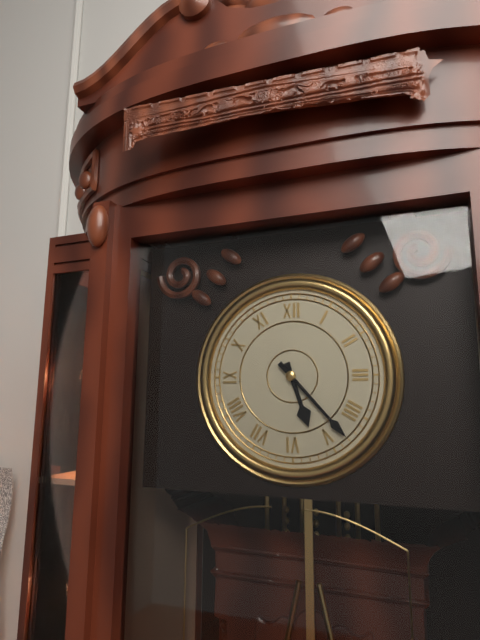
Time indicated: 5,23
